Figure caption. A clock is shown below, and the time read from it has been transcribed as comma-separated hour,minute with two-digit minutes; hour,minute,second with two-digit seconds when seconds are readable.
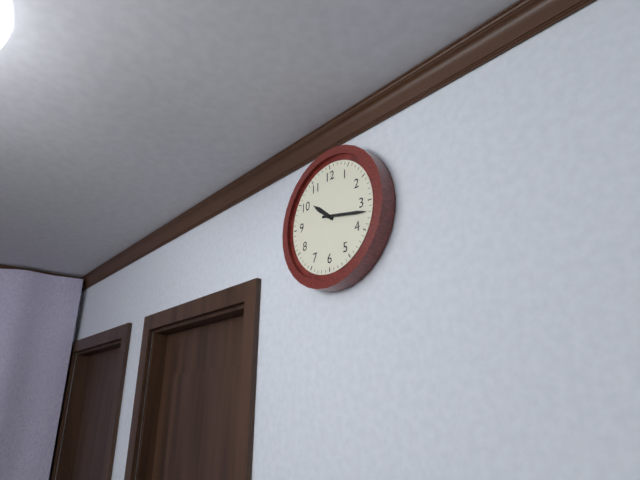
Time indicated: 10,17
